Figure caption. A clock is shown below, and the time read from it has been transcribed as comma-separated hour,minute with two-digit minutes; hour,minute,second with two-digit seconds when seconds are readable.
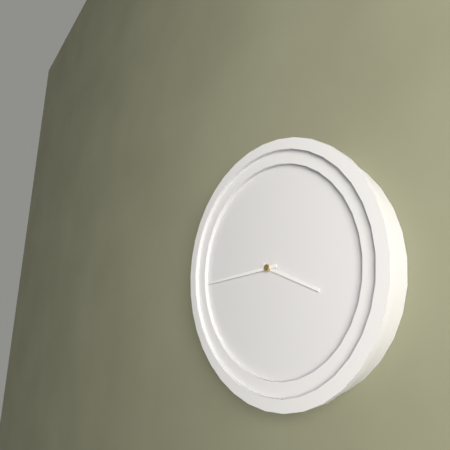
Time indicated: 3,44
